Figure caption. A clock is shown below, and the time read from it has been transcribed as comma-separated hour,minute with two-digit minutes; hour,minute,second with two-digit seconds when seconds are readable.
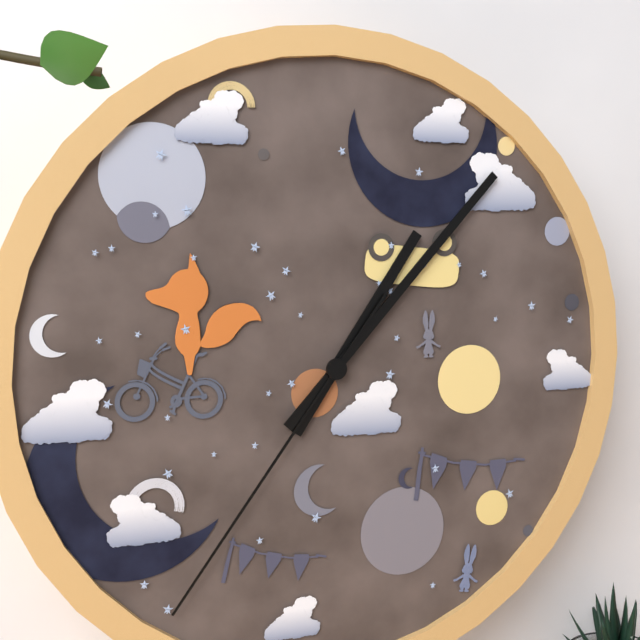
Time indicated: 1,07,36
